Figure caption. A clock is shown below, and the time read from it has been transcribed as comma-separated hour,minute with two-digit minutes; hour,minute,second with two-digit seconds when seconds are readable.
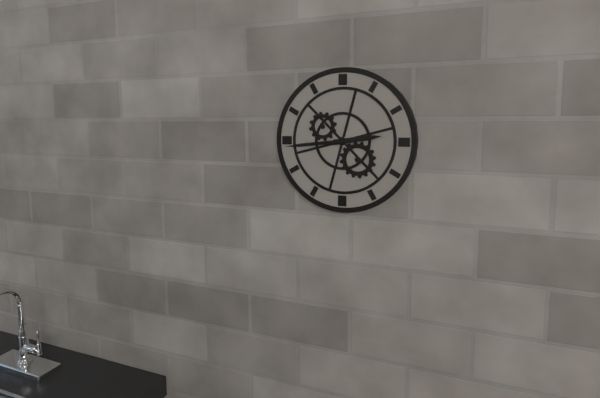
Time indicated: 2,44
